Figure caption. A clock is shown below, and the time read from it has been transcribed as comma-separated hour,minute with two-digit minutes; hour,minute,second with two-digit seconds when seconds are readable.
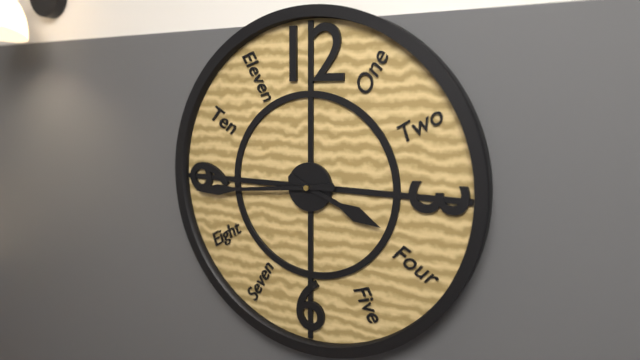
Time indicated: 3,44
